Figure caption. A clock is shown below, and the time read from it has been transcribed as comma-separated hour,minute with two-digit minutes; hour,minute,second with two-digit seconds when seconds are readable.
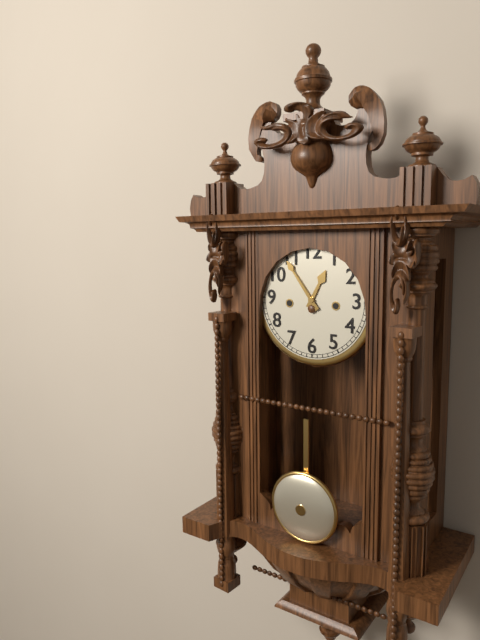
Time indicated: 12,54
